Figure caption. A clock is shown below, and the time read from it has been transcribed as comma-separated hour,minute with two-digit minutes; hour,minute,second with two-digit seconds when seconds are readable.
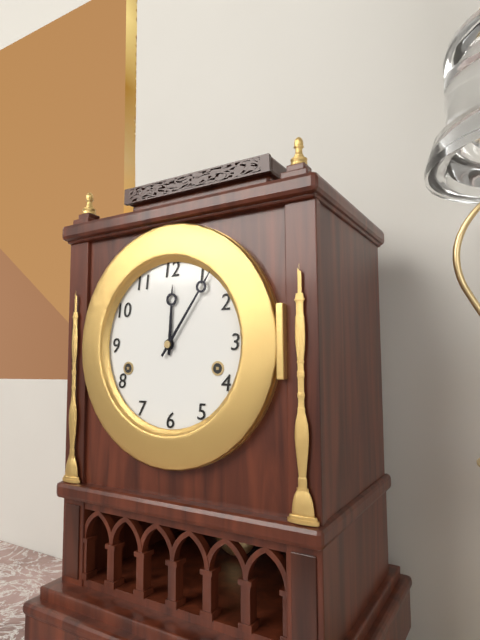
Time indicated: 12,06
